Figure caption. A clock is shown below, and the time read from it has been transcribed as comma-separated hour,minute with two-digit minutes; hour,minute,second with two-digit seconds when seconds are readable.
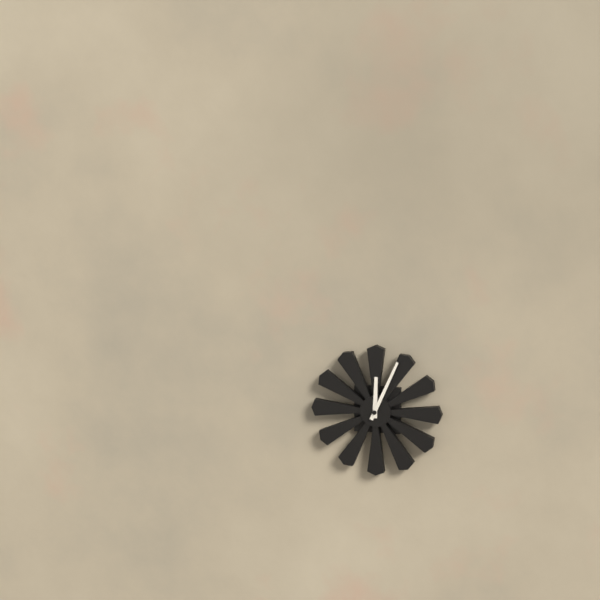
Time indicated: 12,04
